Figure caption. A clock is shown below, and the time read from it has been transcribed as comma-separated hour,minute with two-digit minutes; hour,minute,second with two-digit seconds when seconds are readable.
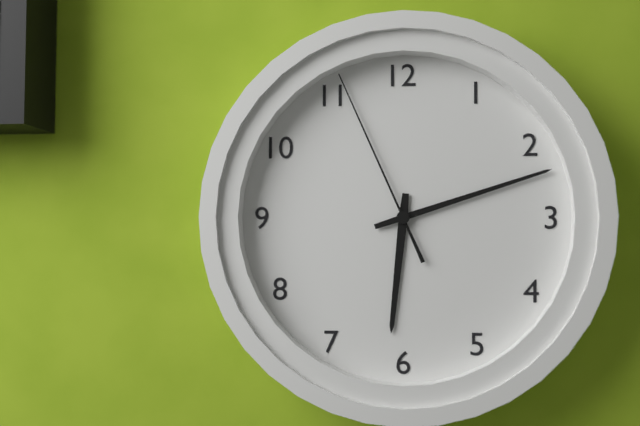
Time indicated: 6,12,56
